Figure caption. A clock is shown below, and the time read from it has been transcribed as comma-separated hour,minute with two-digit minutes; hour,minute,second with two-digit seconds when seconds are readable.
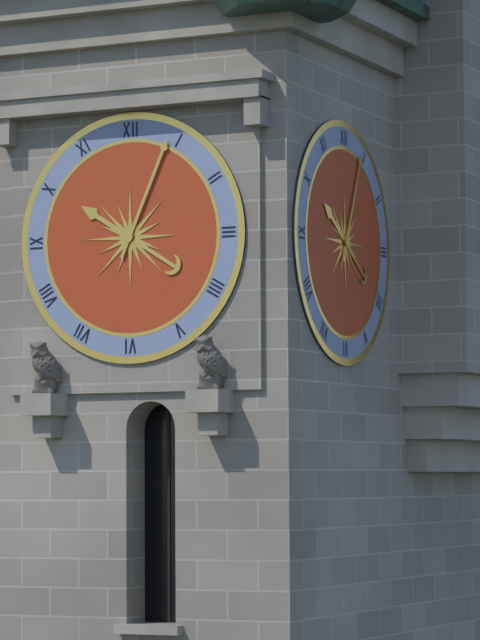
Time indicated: 10,04
